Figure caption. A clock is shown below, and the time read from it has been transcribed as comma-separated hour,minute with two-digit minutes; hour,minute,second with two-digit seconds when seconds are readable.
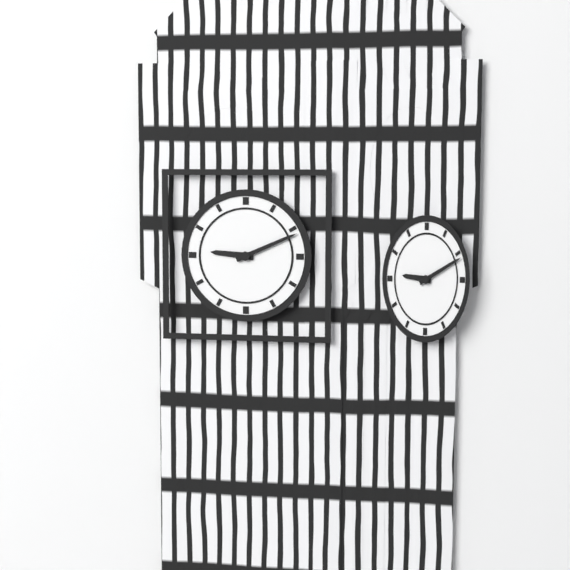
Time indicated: 9,11
